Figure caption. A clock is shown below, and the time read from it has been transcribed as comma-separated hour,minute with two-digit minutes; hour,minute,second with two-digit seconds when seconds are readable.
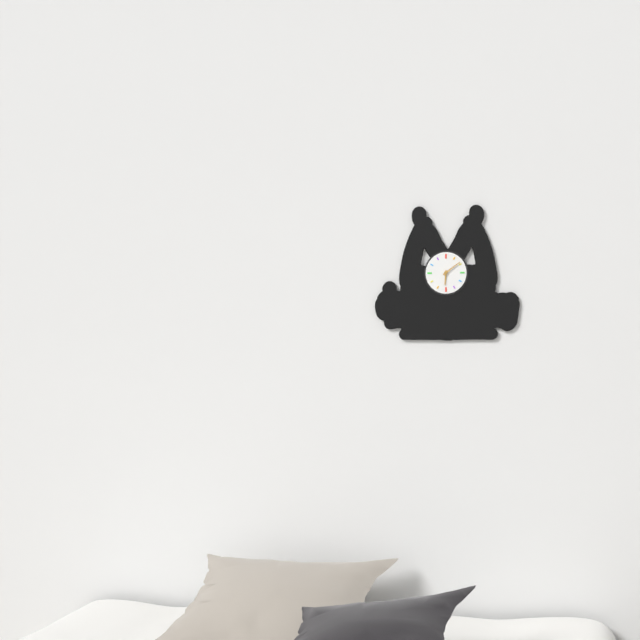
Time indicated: 6,09
